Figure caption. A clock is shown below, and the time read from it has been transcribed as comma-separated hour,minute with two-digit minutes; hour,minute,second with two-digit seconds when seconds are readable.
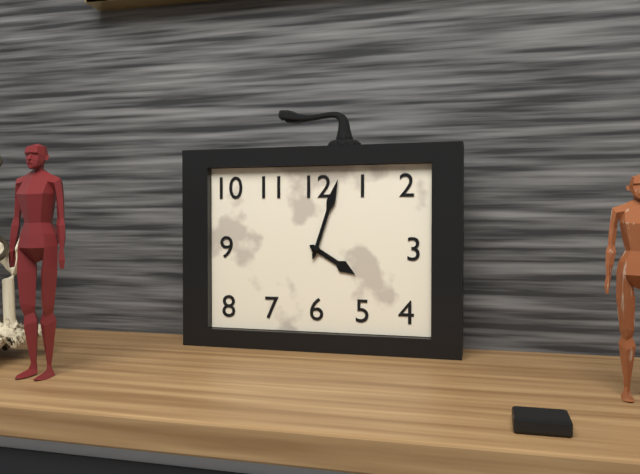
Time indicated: 4,03
